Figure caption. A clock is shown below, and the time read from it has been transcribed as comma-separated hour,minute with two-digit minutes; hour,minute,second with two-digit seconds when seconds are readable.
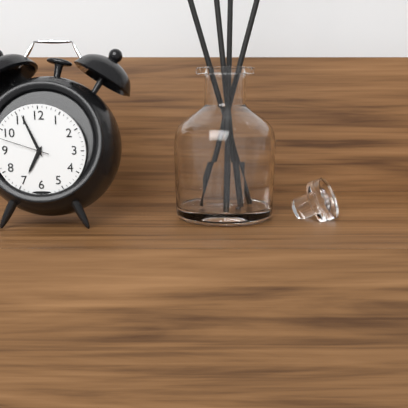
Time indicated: 6,56,48
